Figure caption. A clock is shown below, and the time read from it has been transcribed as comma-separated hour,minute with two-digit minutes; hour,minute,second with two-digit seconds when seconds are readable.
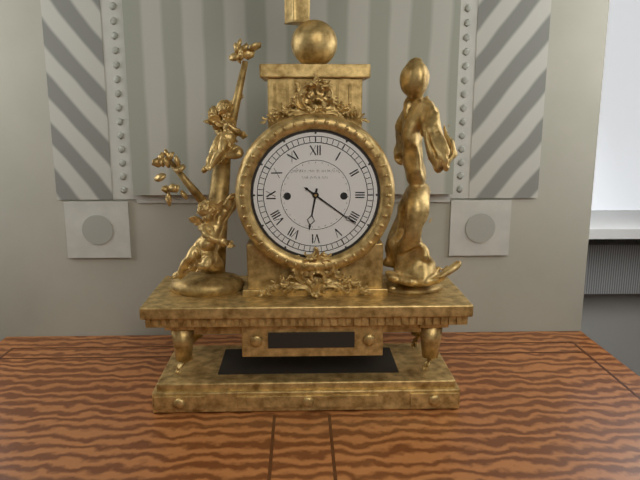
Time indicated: 6,21
